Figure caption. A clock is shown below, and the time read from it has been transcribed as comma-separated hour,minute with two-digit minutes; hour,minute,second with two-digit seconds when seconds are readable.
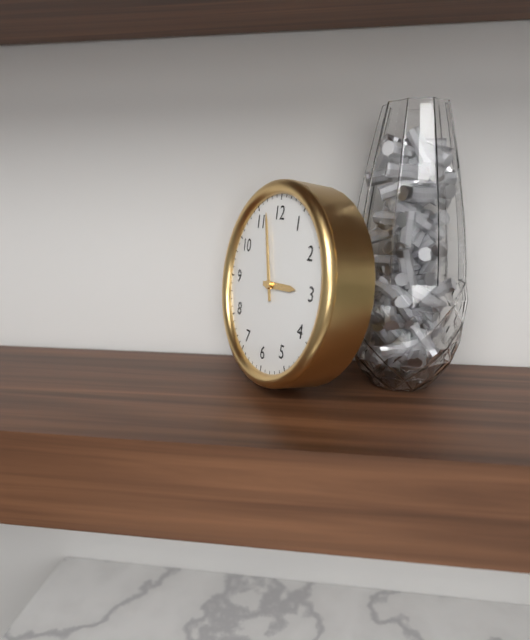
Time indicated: 2,57
